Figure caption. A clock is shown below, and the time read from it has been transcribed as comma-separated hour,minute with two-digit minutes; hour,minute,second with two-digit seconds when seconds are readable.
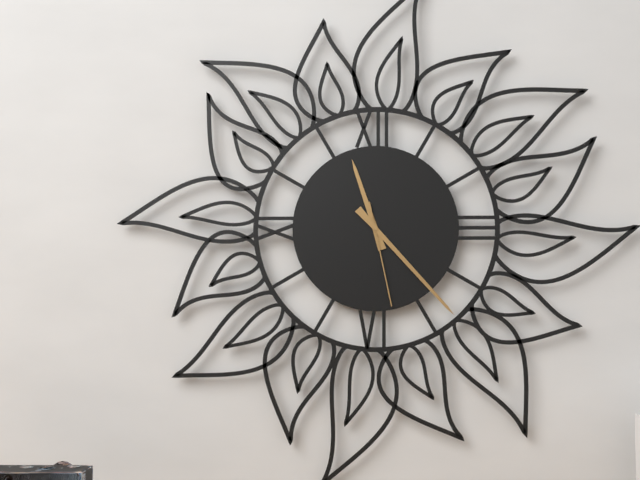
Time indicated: 11,23,28
